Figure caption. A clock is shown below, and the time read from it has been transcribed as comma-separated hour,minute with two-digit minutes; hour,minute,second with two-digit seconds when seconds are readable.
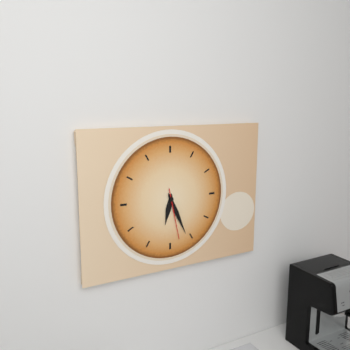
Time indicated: 6,26,28
